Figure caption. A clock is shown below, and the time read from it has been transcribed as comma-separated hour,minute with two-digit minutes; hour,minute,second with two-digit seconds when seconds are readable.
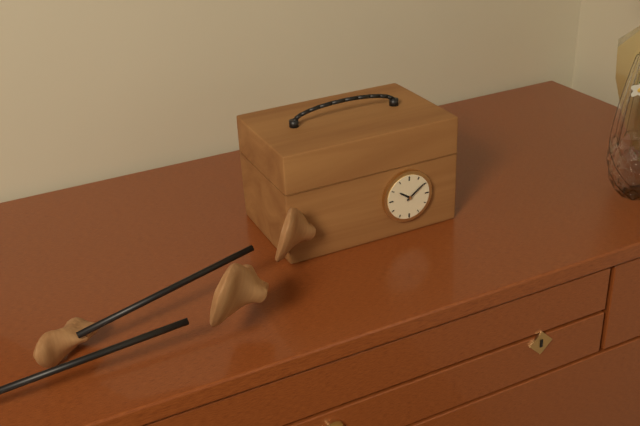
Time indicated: 10,09
